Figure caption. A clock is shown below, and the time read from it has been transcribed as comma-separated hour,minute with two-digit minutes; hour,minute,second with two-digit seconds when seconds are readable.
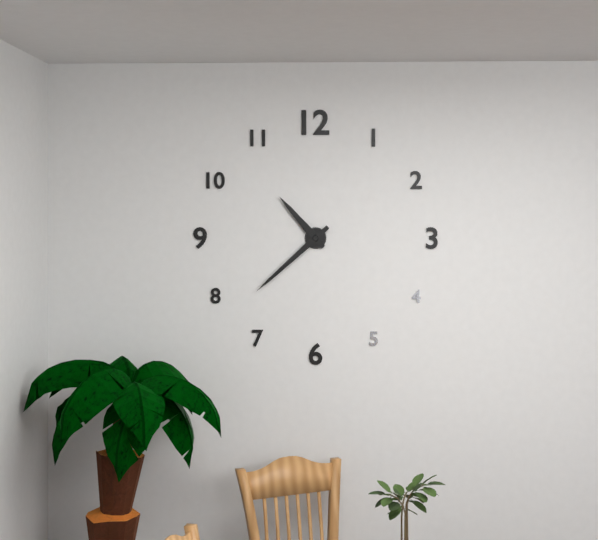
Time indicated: 10,38
